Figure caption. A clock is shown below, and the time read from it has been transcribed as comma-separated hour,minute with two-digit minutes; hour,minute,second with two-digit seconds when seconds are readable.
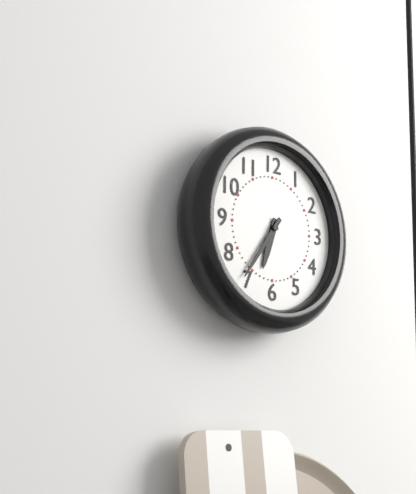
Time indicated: 6,36
